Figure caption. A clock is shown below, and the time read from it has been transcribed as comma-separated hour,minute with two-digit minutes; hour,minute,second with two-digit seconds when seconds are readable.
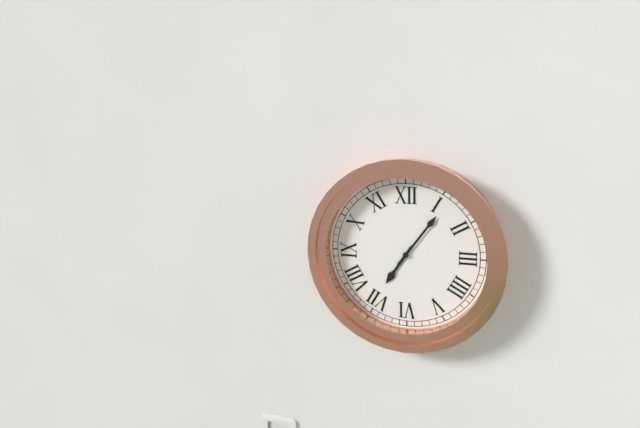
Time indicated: 7,06
